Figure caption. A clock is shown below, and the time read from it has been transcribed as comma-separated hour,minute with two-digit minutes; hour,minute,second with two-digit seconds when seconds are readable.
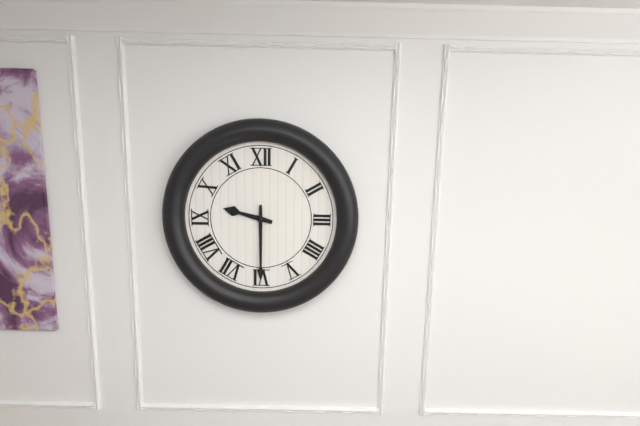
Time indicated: 9,30
